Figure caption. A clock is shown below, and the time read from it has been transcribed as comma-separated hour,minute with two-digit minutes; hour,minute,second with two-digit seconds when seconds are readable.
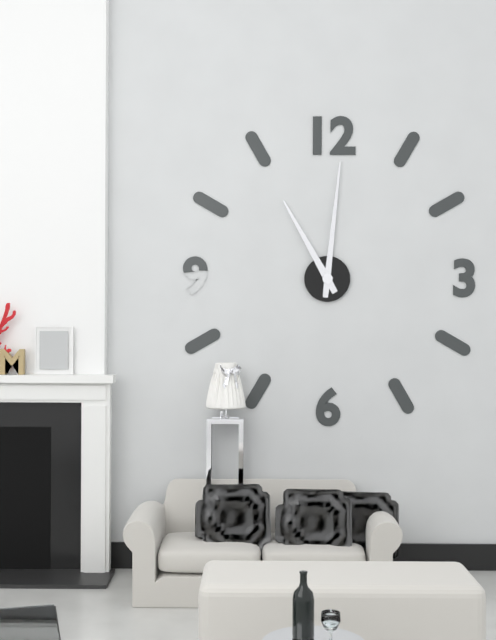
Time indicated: 11,01
